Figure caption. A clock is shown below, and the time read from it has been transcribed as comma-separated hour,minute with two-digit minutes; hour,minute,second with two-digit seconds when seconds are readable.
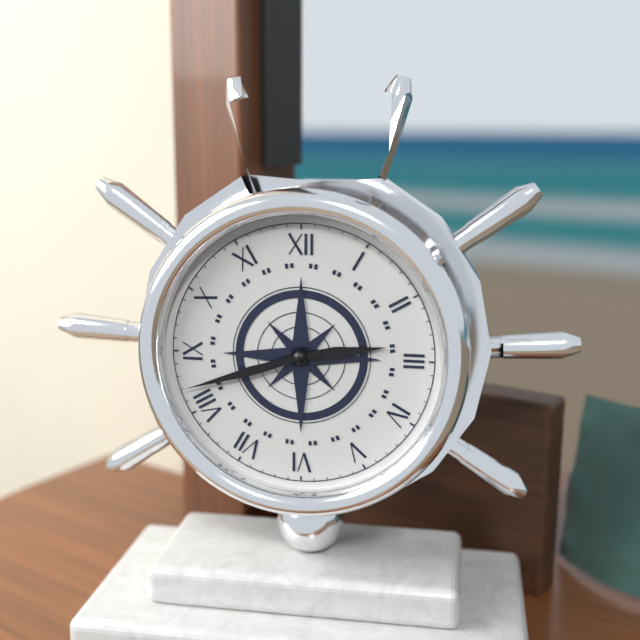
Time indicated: 2,42
